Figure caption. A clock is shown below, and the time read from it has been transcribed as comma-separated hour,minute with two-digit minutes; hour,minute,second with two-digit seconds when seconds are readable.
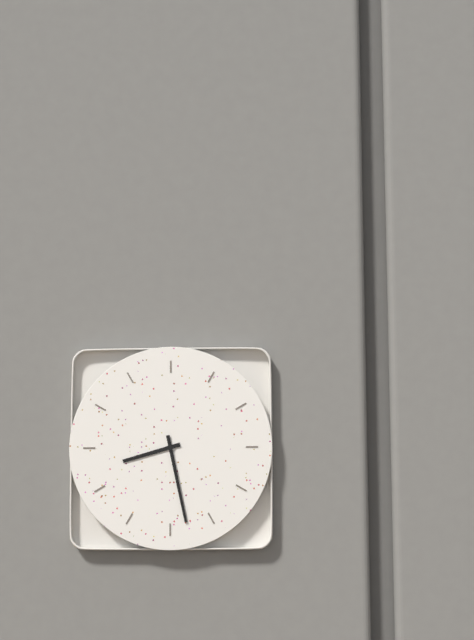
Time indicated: 8,28
